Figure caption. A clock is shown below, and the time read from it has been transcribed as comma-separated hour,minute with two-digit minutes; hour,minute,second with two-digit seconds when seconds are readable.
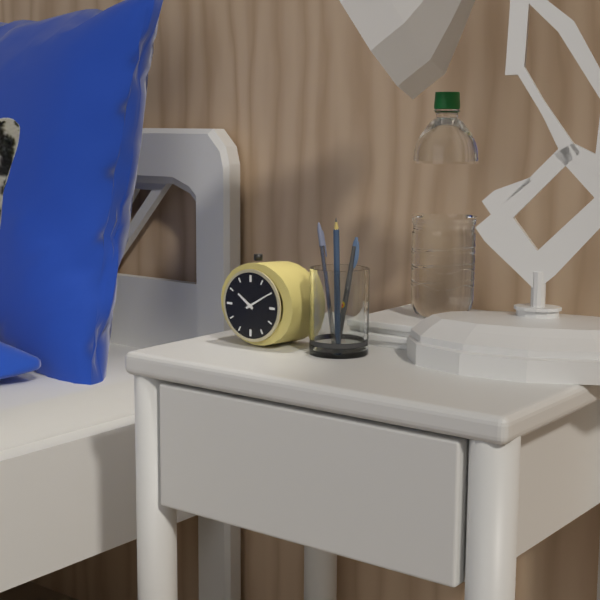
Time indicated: 10,10
